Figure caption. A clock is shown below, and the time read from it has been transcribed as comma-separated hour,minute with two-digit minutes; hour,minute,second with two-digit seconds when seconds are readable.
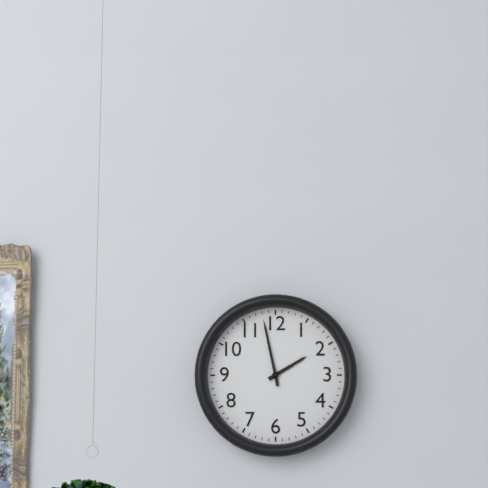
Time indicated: 1,58
